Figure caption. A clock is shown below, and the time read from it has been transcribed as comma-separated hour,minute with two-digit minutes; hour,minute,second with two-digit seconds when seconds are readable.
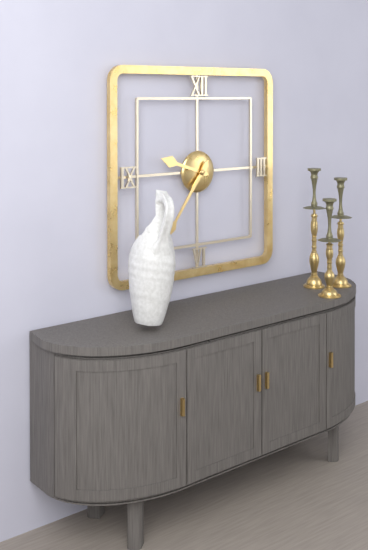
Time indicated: 9,36
